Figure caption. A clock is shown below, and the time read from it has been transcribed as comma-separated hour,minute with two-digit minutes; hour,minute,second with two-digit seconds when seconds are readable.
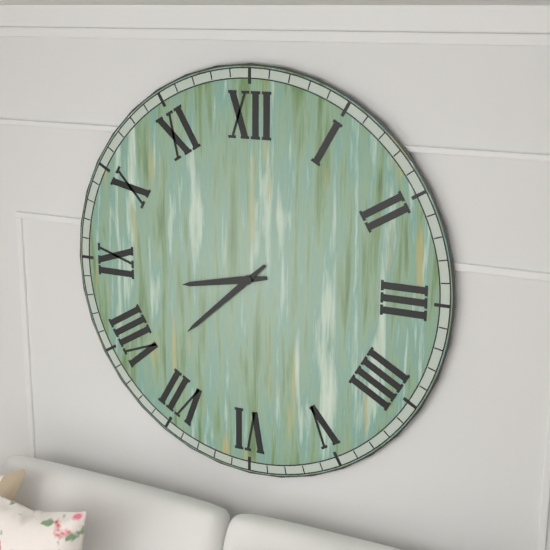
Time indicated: 8,38
